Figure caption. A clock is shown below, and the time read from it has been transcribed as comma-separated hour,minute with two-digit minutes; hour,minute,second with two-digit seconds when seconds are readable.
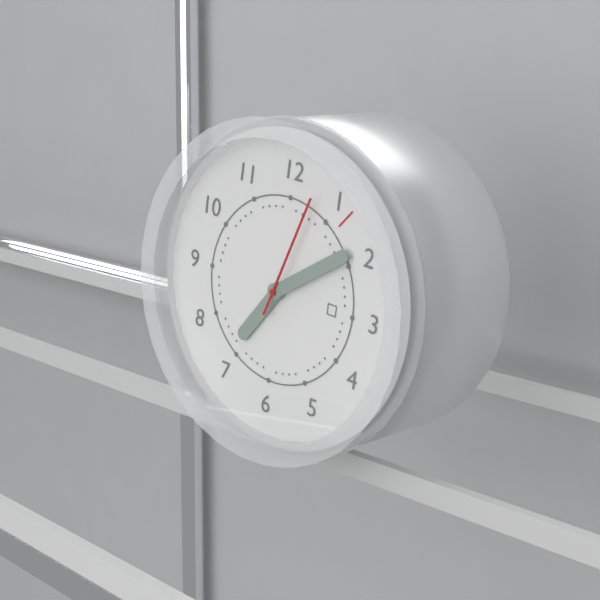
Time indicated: 7,09,03
